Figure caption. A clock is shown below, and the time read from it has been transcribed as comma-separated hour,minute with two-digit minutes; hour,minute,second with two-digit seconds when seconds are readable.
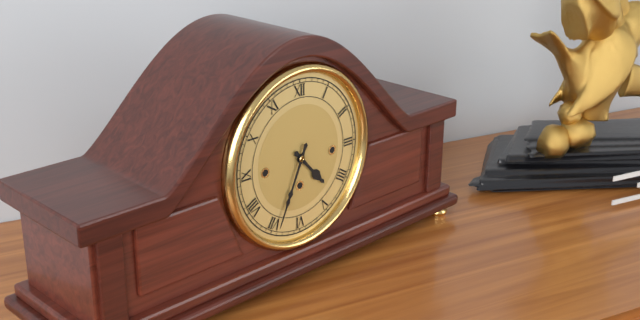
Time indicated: 4,34
